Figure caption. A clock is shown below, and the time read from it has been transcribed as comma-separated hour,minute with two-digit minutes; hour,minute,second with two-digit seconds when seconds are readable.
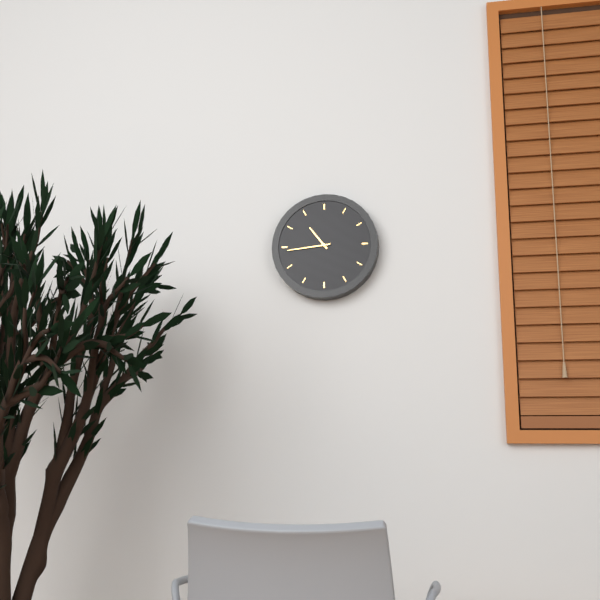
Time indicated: 10,44
